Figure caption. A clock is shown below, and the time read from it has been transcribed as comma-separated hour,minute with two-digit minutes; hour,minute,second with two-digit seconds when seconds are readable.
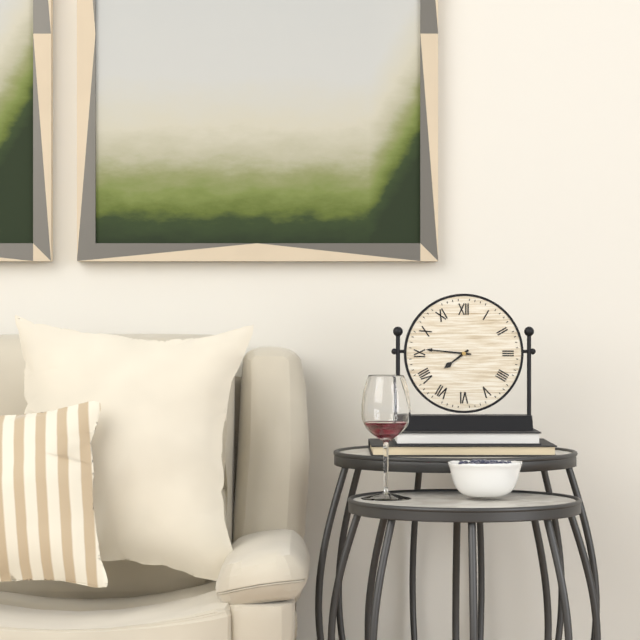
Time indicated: 7,46
